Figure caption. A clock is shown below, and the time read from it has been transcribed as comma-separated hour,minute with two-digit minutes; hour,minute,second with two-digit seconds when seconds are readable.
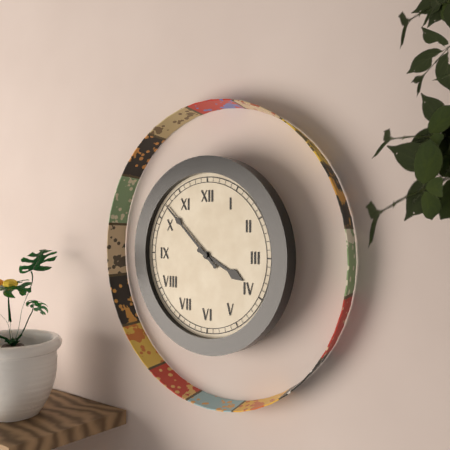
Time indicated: 3,52
